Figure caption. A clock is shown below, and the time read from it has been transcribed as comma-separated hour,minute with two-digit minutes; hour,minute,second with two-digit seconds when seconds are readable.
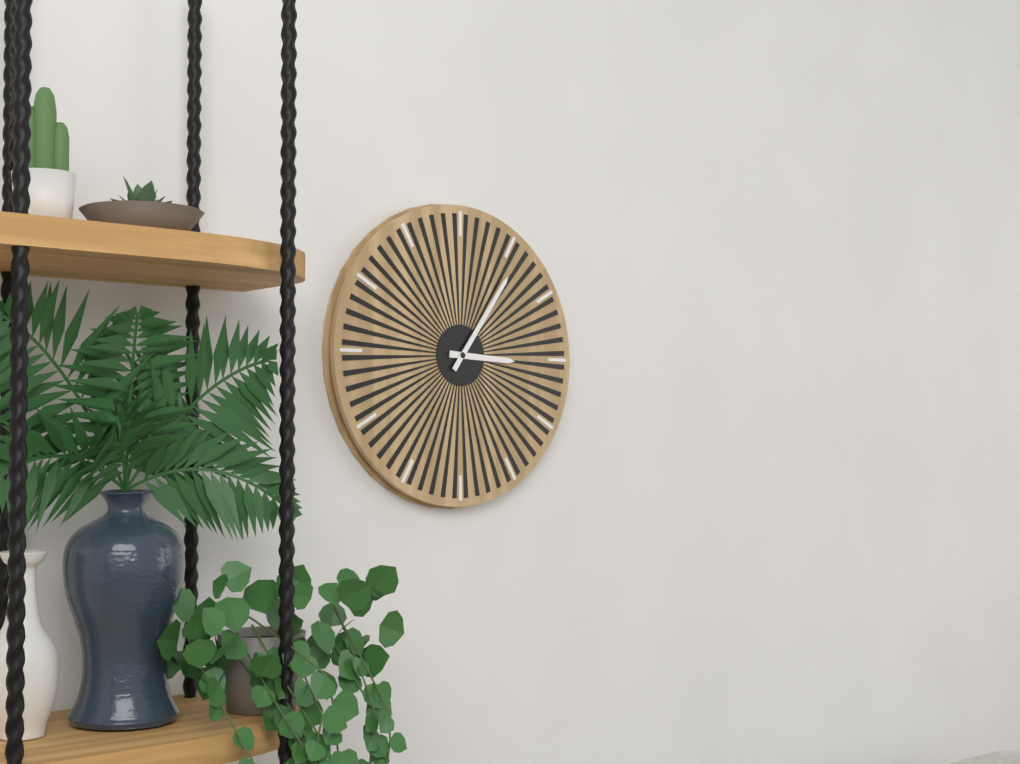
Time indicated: 3,06
